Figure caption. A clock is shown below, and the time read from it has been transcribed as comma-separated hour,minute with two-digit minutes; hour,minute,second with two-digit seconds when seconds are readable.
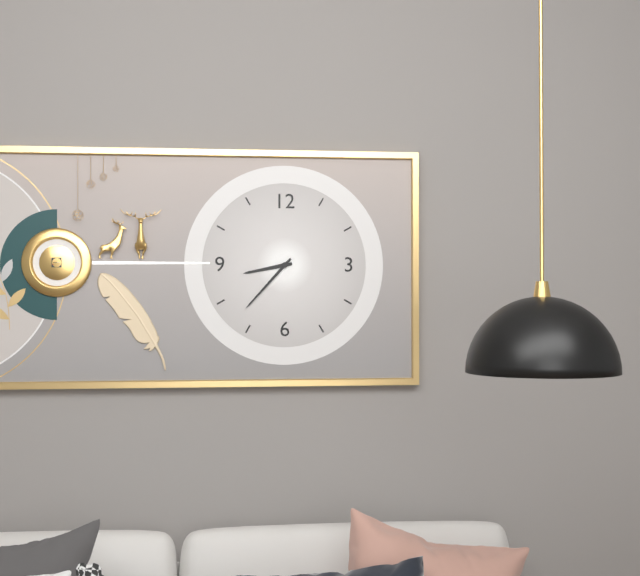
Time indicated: 8,37
